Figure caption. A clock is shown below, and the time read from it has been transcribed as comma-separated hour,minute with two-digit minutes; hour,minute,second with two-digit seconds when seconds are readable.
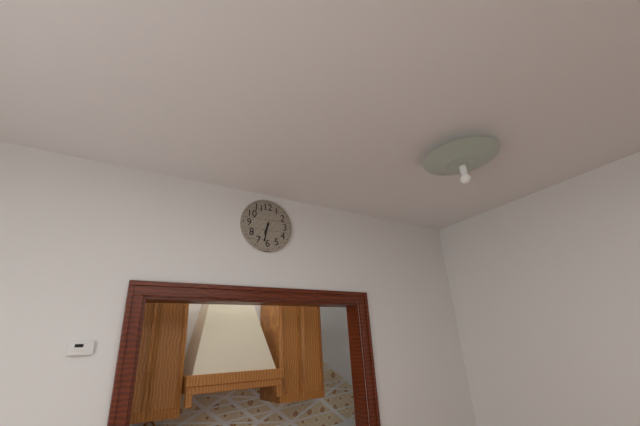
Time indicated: 6,32
